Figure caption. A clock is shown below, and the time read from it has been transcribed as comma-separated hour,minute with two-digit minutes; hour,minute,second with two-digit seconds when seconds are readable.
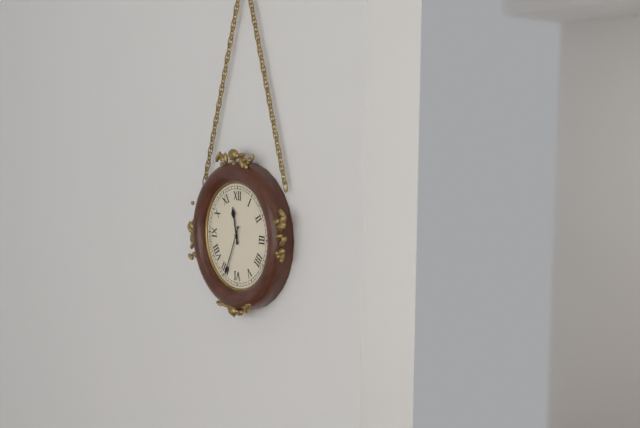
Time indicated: 11,34
